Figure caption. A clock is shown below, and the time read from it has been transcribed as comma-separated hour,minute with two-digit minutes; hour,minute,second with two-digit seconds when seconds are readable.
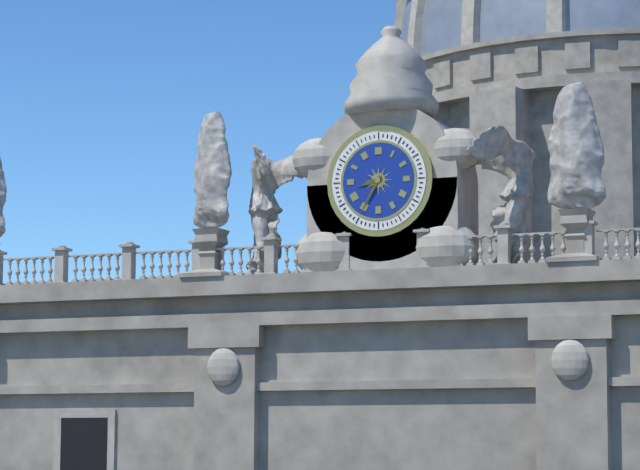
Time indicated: 8,35
